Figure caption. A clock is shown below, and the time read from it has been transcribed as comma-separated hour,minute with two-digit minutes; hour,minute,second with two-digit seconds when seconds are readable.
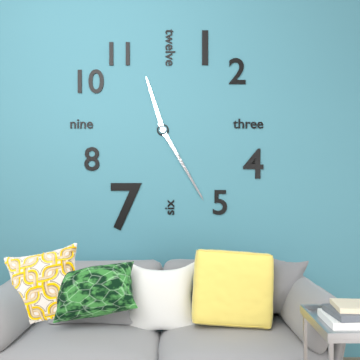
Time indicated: 11,25
